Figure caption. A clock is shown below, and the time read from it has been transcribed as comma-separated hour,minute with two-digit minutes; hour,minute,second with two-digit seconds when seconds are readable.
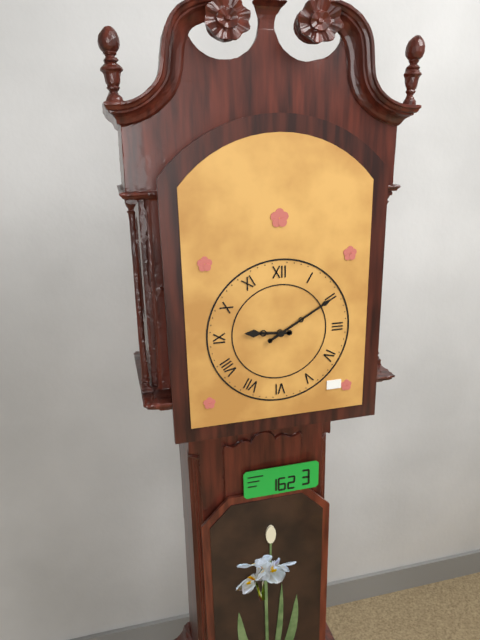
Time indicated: 9,10
